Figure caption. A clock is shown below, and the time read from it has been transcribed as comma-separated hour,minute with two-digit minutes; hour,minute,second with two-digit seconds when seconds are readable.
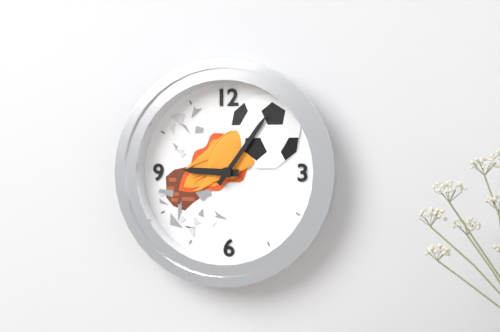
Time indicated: 9,06
